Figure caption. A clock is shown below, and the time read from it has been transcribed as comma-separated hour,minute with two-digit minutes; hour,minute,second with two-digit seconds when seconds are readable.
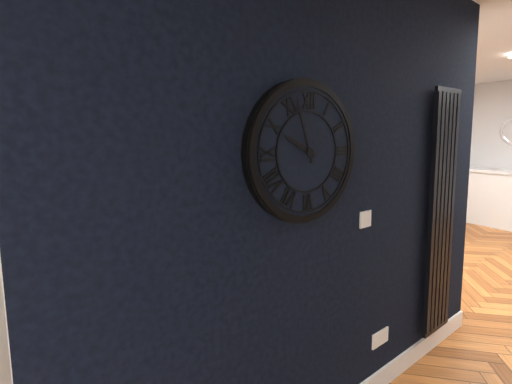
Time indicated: 9,57
